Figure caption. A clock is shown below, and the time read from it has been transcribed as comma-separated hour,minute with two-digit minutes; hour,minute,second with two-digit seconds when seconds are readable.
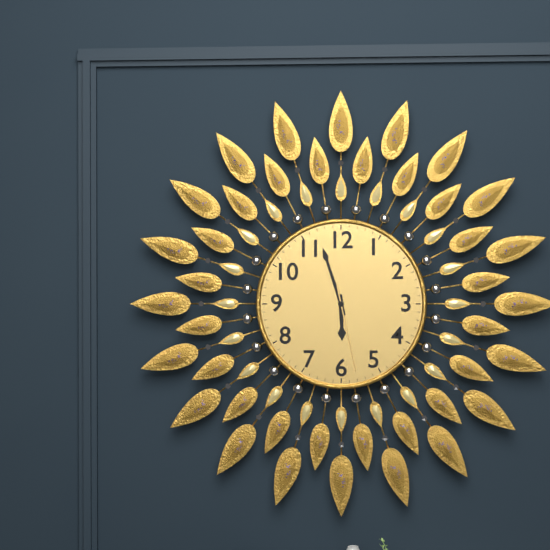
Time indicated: 5,57,28
